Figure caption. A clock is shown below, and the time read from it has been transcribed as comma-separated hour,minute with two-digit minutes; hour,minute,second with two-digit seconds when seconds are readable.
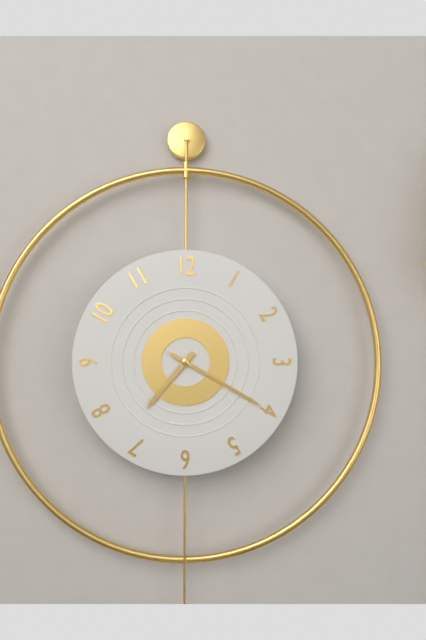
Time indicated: 7,20,20
